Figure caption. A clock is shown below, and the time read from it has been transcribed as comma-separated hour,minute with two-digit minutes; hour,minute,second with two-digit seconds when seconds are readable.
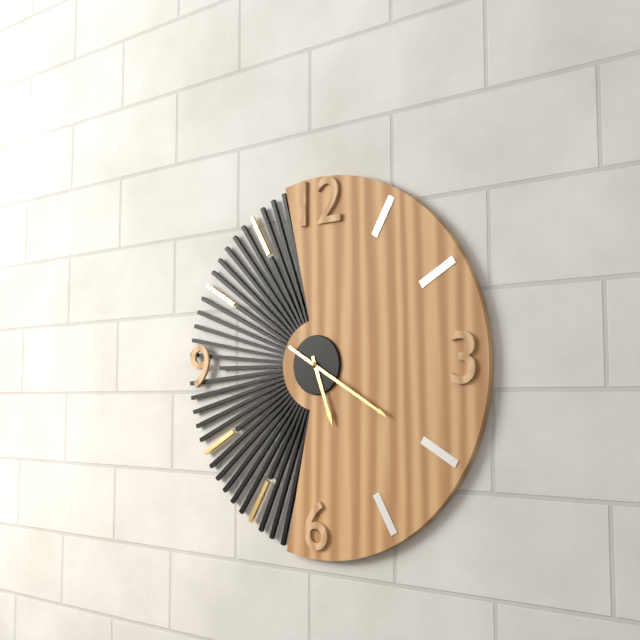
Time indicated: 5,20
